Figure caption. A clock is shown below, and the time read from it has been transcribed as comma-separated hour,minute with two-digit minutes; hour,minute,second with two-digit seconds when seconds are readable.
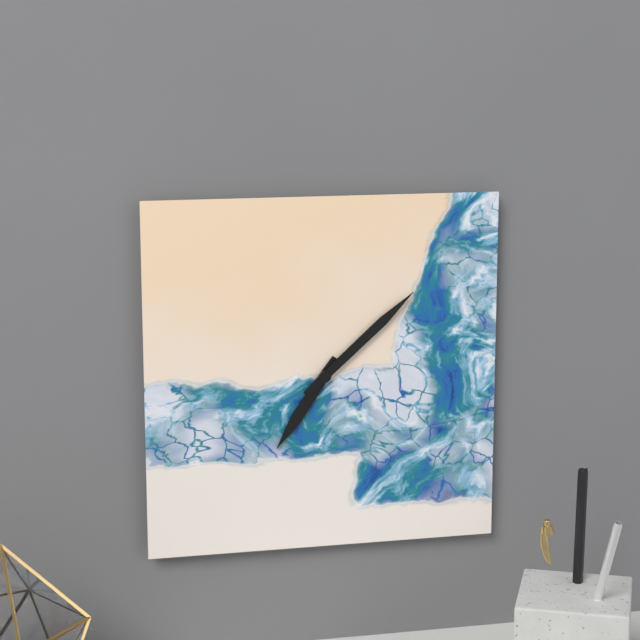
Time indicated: 7,08
